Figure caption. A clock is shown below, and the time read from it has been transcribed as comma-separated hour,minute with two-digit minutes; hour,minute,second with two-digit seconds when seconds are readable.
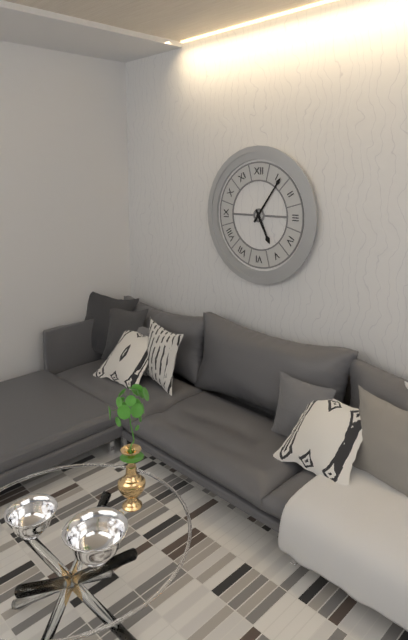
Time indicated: 5,06
